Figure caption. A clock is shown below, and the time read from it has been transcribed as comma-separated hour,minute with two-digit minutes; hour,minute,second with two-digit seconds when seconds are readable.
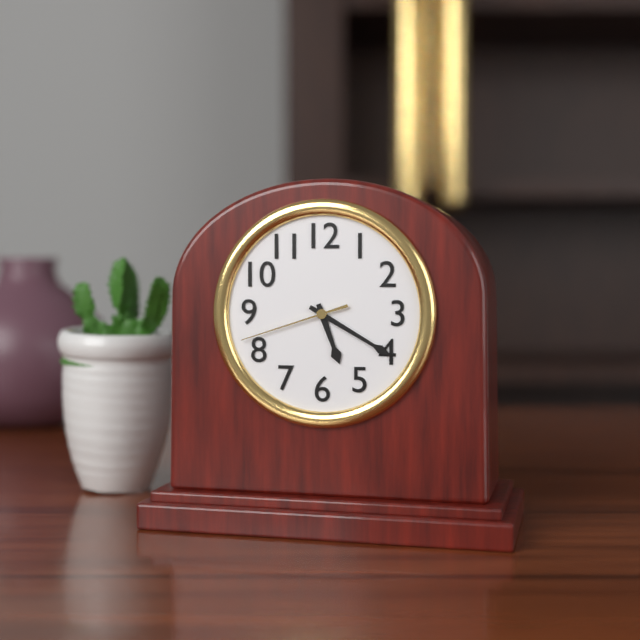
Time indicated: 5,20,42
